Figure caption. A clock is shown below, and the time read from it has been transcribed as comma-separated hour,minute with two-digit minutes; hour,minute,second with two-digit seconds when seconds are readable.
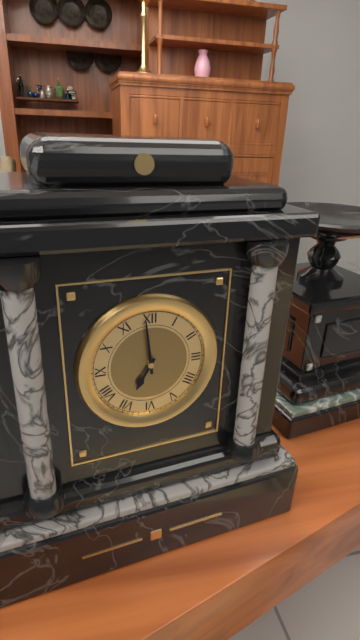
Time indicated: 6,59
